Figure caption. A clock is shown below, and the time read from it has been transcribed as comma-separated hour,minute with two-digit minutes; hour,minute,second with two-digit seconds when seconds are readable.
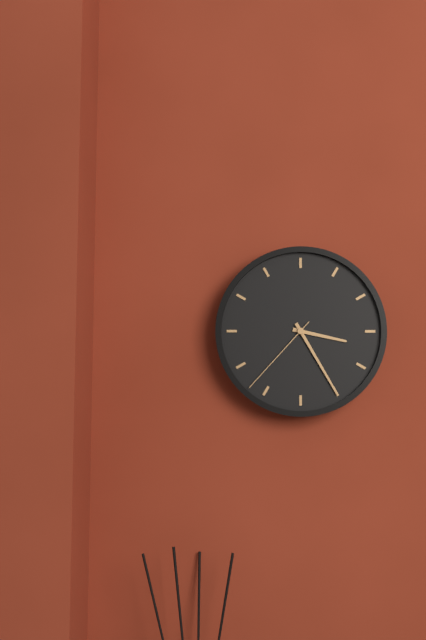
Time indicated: 3,25,37
